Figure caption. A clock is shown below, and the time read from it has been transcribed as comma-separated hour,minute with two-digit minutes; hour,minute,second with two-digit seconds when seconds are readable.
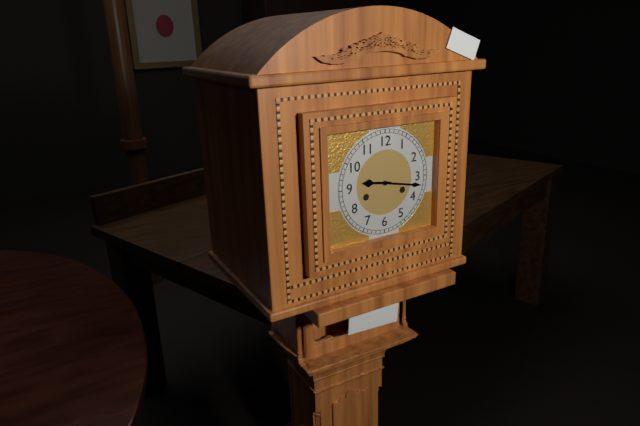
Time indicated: 9,17
